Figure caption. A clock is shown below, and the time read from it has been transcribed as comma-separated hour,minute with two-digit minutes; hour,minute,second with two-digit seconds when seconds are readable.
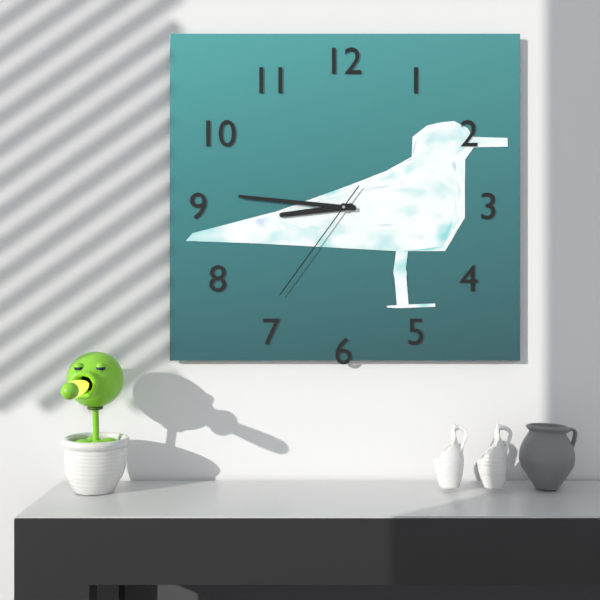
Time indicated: 8,46,36
